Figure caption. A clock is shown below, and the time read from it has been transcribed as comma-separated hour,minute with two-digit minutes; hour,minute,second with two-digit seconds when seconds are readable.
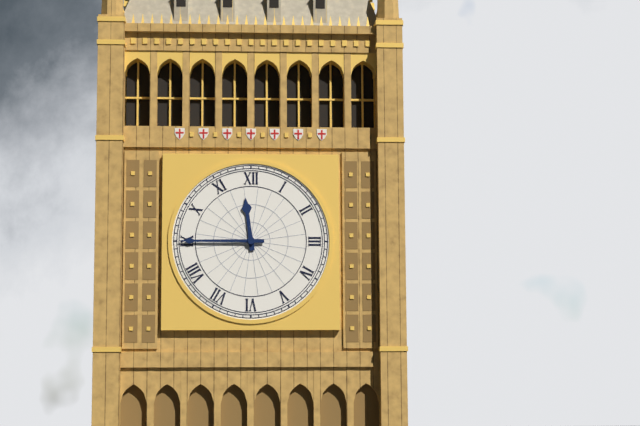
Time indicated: 11,45
